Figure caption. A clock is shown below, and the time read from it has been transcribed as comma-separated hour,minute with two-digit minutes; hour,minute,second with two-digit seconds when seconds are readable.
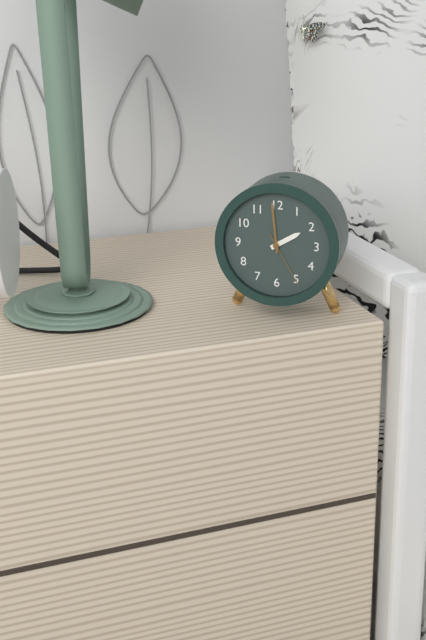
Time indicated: 1,59,25
